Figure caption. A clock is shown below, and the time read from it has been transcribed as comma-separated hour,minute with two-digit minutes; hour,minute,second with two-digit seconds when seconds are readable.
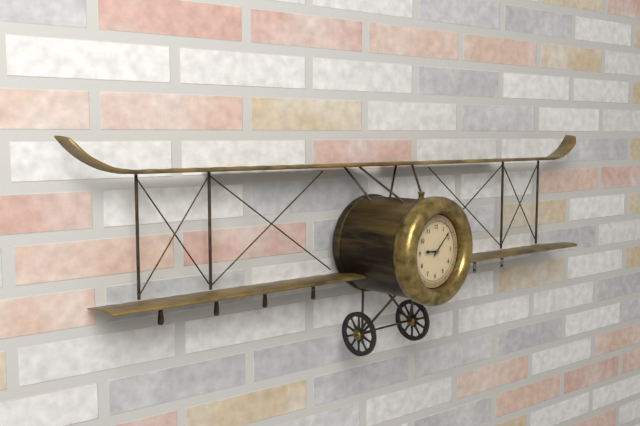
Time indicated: 9,08
